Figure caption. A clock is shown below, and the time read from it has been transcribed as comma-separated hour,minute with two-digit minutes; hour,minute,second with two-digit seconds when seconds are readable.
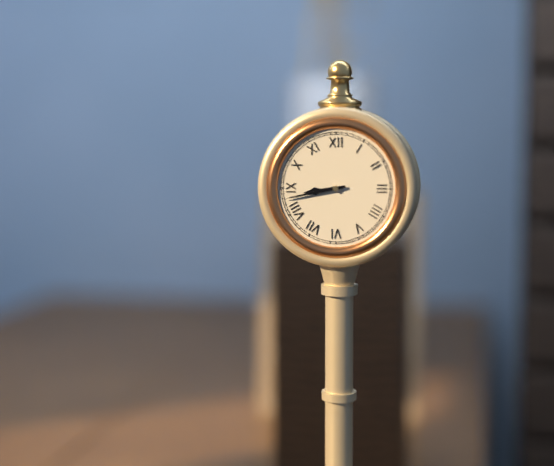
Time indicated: 8,43
